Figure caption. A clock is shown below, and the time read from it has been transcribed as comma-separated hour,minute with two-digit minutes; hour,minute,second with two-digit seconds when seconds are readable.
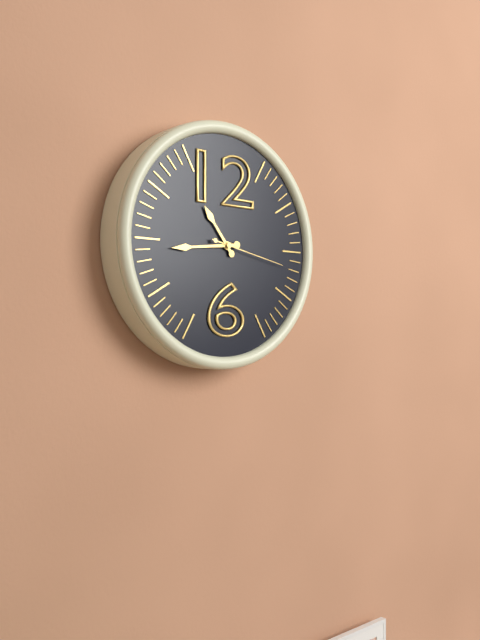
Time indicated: 10,44,17
